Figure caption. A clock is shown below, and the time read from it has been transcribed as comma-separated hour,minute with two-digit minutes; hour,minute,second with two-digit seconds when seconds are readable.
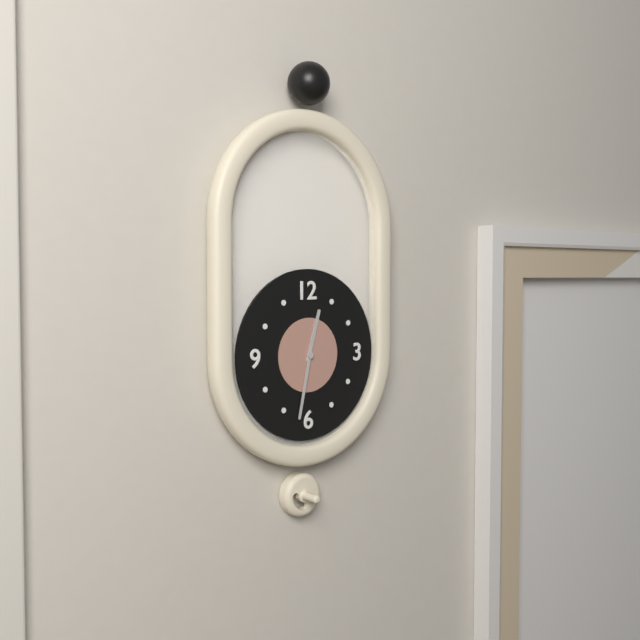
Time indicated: 12,32
